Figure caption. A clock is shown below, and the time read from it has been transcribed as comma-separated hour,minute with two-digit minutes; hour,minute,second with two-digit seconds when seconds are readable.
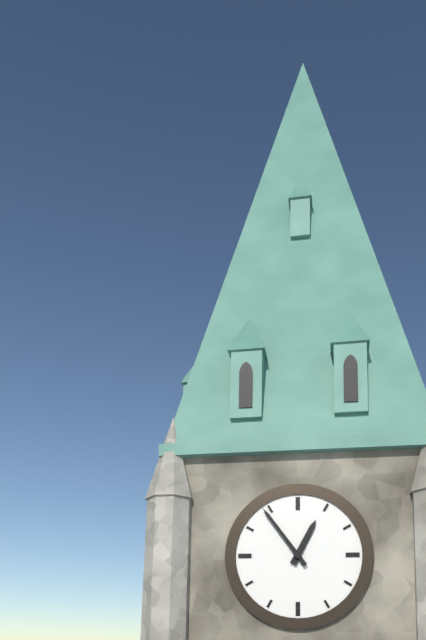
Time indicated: 12,54
